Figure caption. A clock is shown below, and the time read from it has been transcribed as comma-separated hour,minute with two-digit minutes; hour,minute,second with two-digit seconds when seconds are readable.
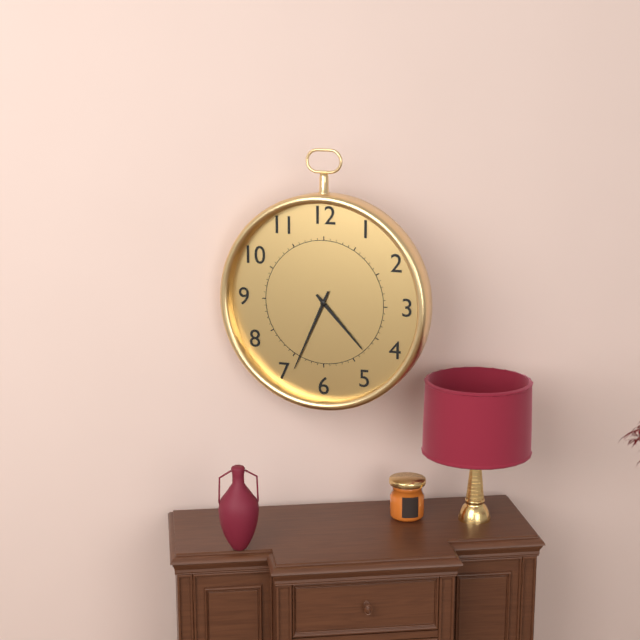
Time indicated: 4,34
